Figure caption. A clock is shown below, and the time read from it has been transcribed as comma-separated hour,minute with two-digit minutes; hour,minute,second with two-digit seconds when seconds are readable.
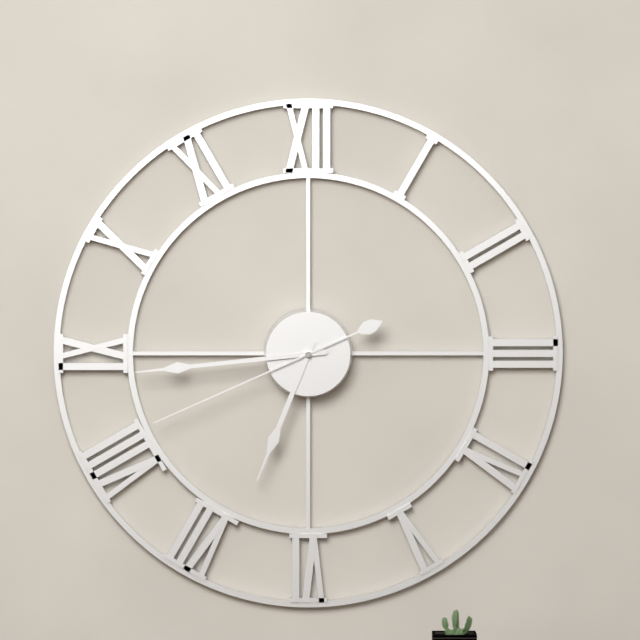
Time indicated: 6,44,41
